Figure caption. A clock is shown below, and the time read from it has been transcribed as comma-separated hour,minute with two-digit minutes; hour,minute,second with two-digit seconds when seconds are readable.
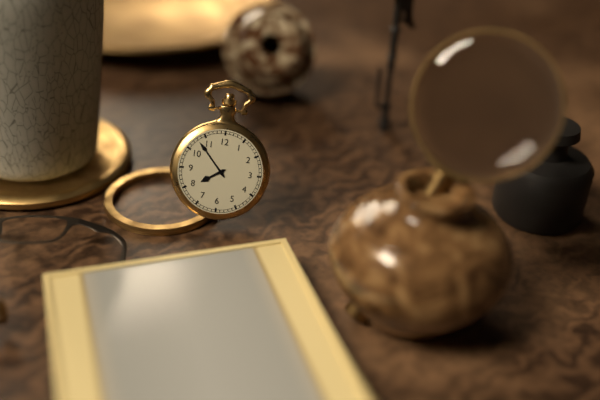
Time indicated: 7,53
